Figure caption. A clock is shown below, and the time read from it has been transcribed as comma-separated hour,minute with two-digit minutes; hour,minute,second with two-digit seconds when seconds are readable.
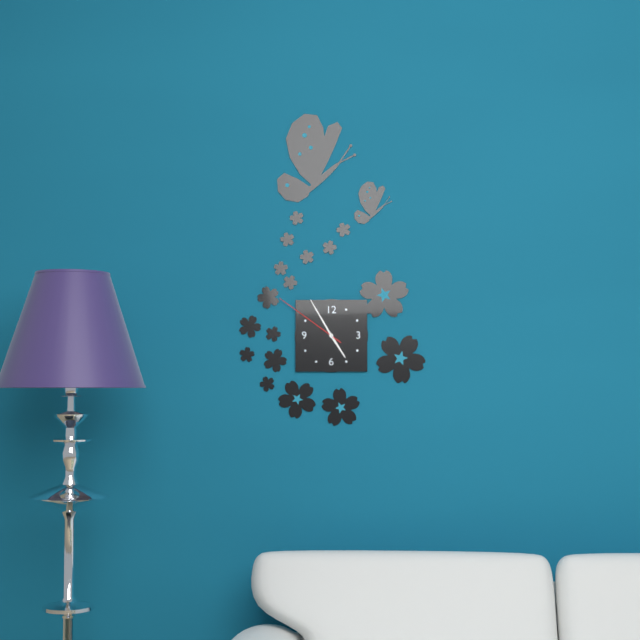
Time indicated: 4,55,51
